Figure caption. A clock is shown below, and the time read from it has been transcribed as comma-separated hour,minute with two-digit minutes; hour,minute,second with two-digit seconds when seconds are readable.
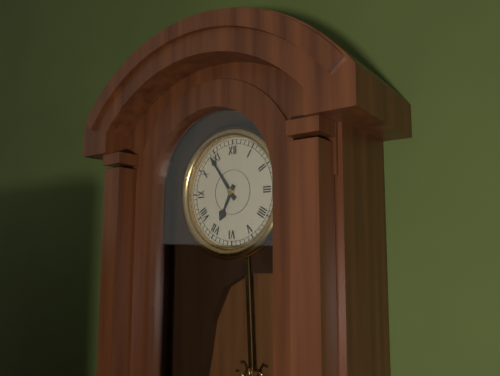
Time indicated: 6,54
